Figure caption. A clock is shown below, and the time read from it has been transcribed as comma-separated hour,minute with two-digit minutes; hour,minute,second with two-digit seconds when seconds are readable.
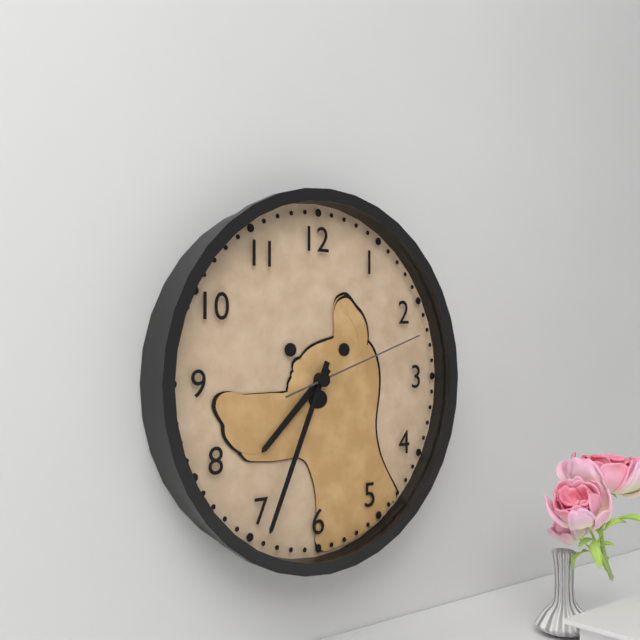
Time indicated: 7,34,12
